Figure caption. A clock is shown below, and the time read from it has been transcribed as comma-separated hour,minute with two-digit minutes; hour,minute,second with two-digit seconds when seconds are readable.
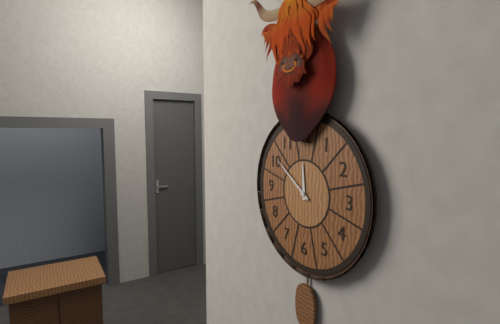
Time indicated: 11,51
